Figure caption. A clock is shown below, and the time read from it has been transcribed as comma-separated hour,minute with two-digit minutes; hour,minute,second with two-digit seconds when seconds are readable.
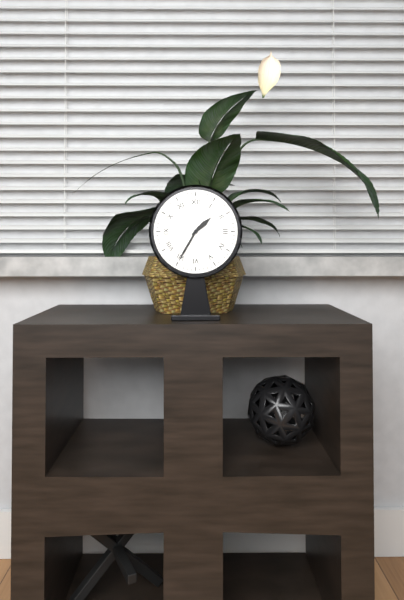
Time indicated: 1,35
